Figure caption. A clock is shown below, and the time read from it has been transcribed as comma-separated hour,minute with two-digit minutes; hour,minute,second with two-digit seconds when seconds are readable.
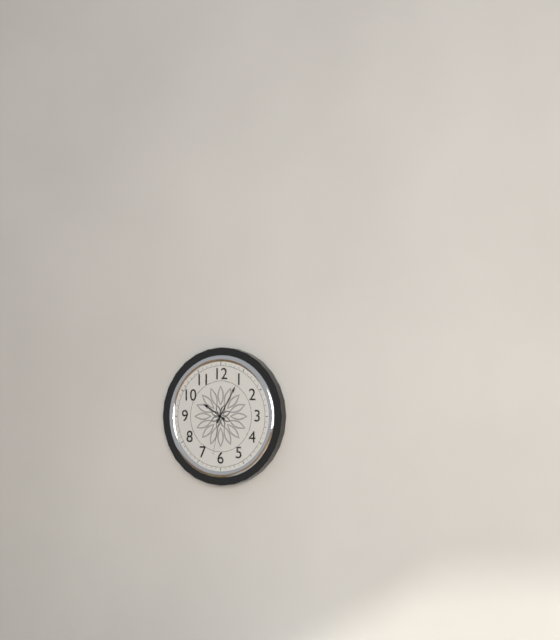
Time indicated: 10,05
